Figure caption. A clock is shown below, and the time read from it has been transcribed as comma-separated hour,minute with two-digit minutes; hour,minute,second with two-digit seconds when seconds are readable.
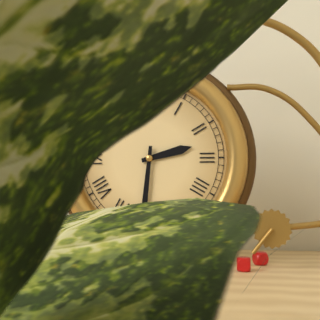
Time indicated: 2,31
